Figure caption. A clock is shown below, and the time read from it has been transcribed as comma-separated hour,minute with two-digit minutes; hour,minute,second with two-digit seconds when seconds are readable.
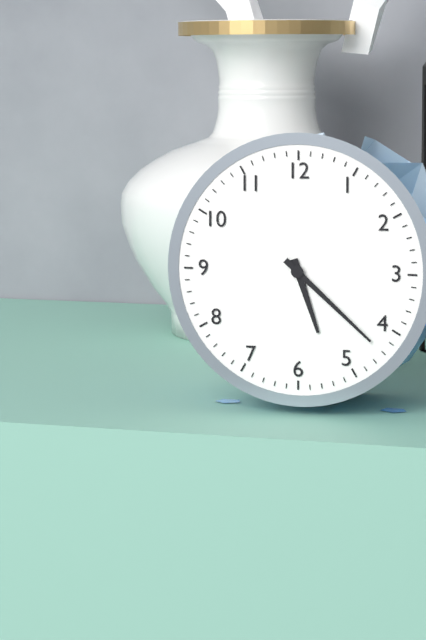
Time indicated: 5,22
